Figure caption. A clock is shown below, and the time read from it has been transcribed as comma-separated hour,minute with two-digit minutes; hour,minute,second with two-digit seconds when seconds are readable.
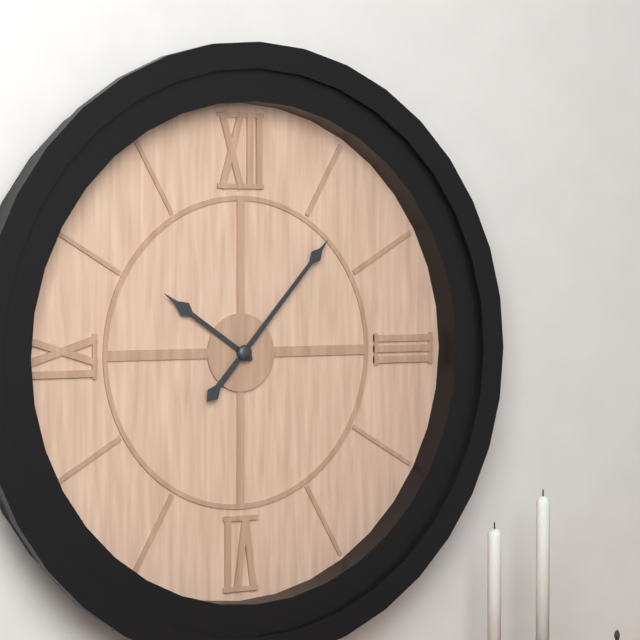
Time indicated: 10,07
